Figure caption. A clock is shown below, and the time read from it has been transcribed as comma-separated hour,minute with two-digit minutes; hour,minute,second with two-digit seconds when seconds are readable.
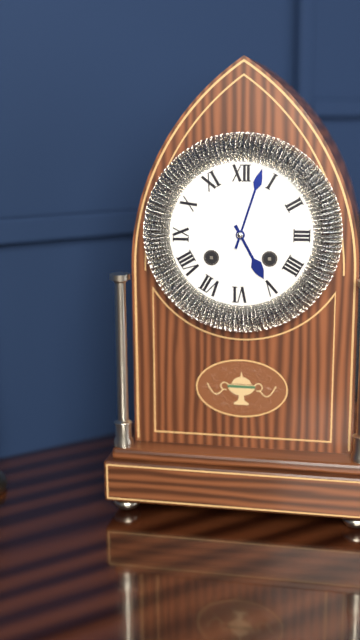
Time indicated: 5,03
